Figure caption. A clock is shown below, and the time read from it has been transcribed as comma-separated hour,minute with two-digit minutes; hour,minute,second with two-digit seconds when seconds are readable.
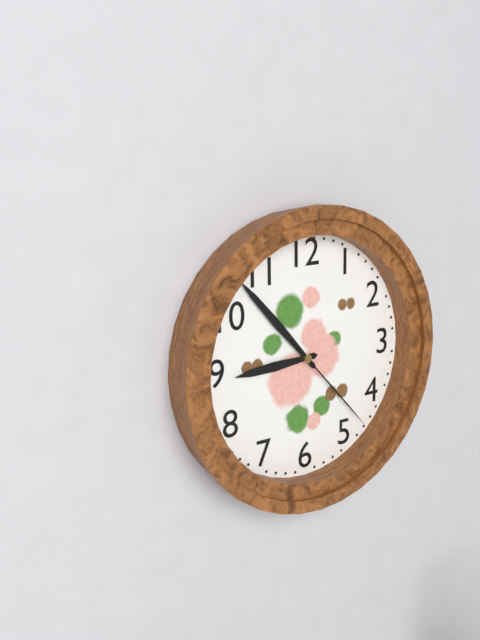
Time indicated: 8,53,23
